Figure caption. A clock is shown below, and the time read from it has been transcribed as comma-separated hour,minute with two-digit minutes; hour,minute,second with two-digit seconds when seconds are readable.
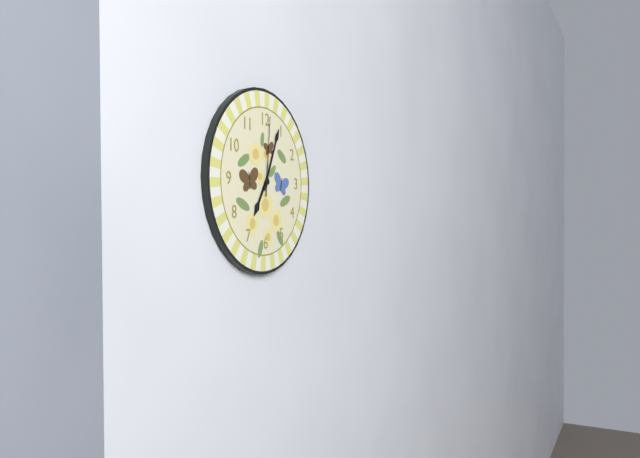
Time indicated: 7,04,01
